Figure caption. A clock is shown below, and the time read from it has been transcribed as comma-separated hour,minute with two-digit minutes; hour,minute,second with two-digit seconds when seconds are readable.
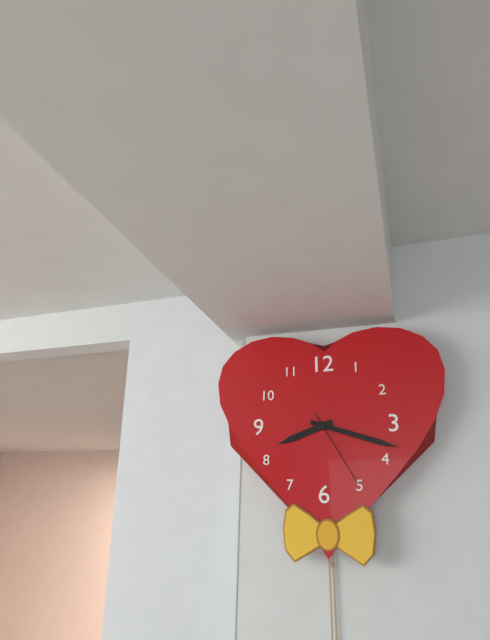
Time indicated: 8,18,25
